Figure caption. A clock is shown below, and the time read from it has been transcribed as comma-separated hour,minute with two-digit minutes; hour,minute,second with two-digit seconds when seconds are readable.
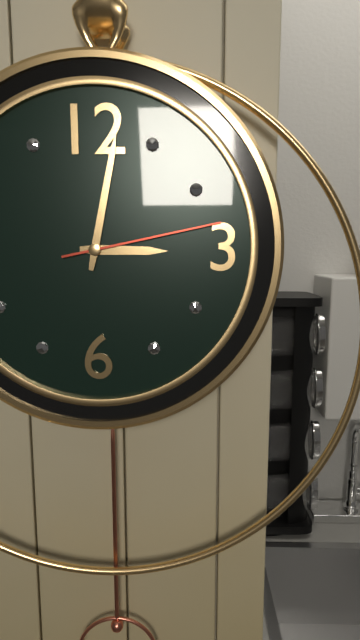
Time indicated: 3,02,13
